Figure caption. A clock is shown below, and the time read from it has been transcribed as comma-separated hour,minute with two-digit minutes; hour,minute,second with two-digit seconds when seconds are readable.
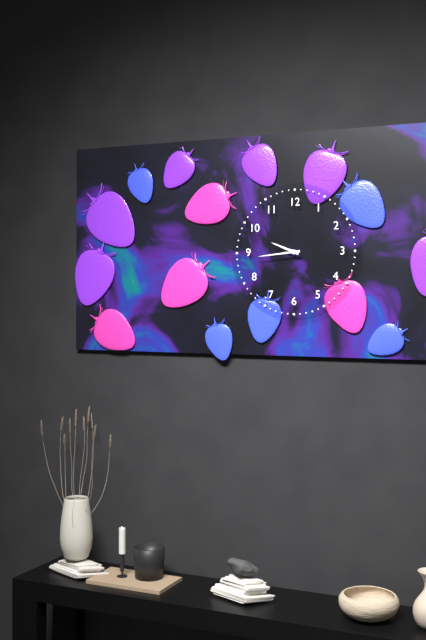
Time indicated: 9,44
